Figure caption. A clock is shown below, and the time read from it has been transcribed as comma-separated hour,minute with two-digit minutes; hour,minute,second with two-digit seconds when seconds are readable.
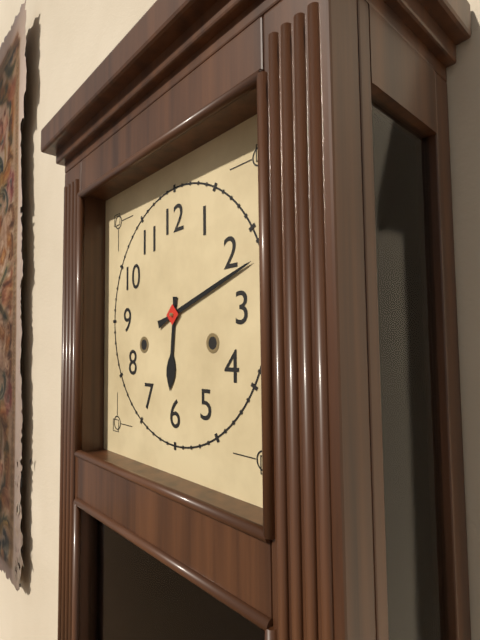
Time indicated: 6,12
